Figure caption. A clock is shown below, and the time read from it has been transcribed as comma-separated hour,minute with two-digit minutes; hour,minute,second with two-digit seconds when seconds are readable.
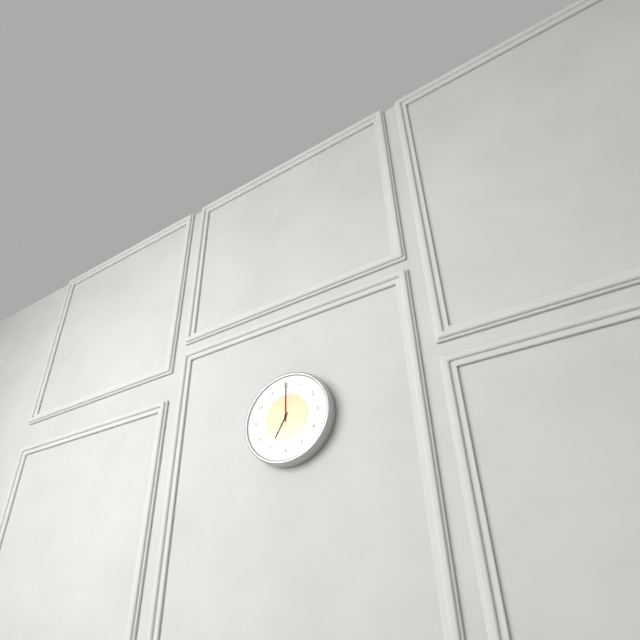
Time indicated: 7,00
